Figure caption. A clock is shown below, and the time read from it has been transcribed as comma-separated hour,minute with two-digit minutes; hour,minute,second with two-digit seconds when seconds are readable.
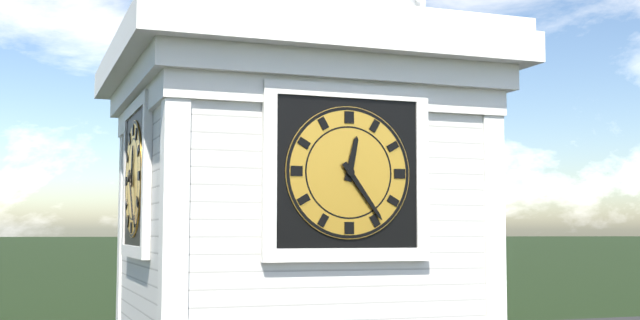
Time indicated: 12,24
